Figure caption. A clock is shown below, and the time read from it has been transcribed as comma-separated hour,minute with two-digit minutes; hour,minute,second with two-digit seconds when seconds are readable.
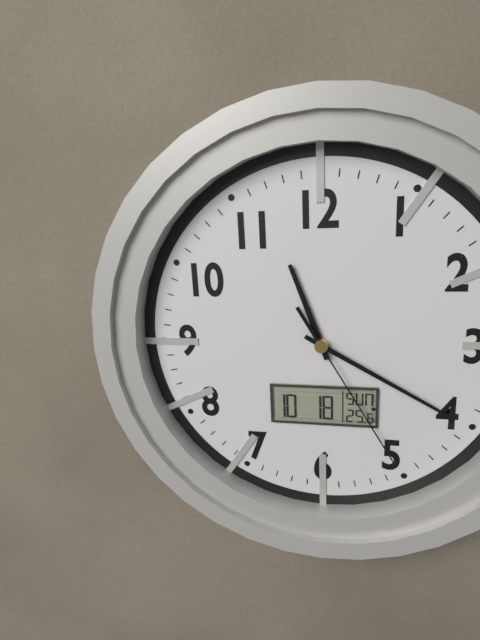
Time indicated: 11,20,25
